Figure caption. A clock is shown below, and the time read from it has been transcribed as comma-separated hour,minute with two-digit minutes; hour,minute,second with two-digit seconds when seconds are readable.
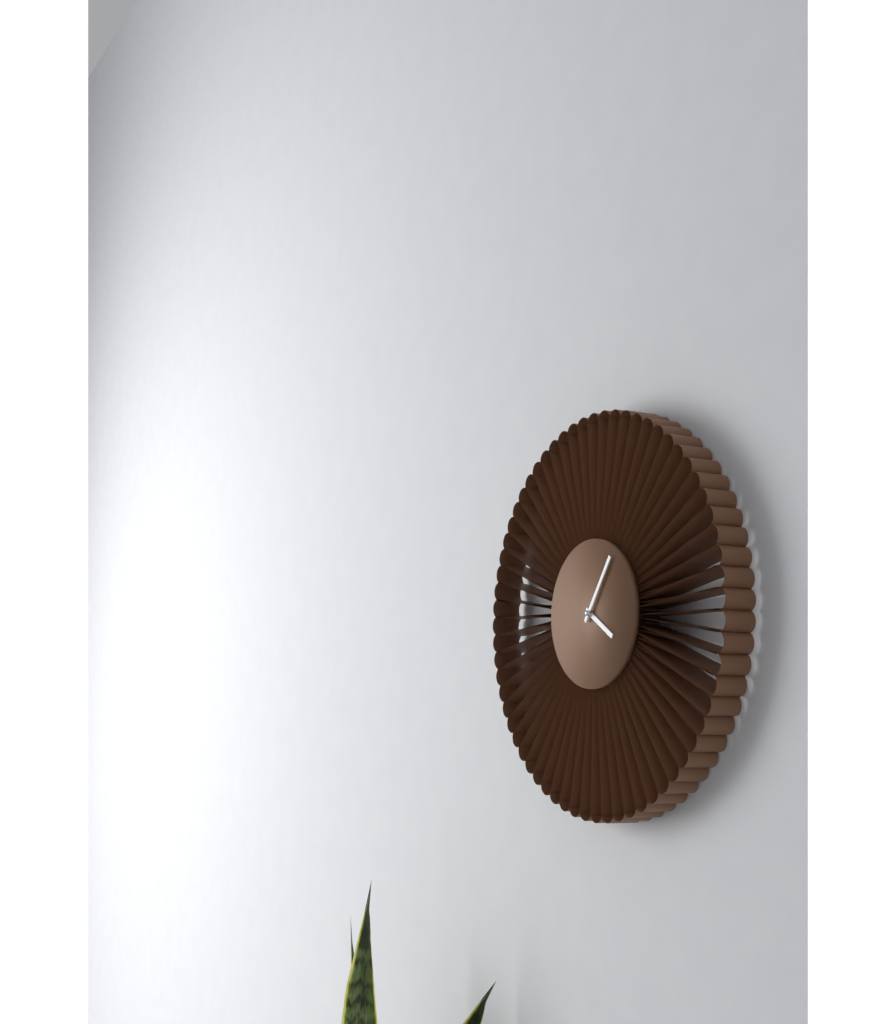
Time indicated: 4,06
